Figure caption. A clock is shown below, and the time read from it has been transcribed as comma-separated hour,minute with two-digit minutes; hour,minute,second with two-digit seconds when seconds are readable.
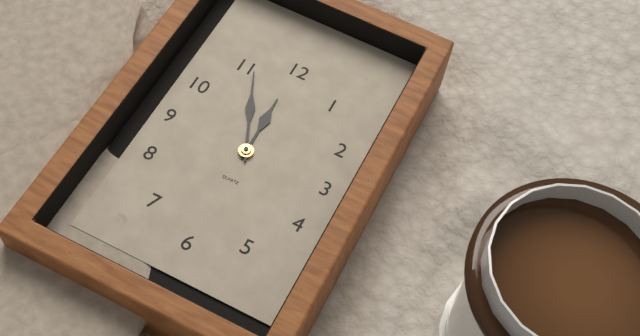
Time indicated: 11,56
